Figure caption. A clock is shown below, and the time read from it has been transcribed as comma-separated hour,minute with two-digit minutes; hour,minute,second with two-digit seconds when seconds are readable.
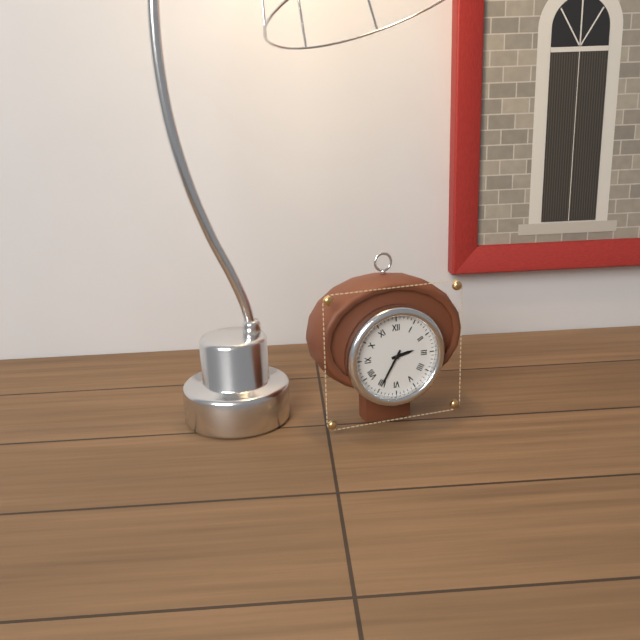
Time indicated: 2,35
